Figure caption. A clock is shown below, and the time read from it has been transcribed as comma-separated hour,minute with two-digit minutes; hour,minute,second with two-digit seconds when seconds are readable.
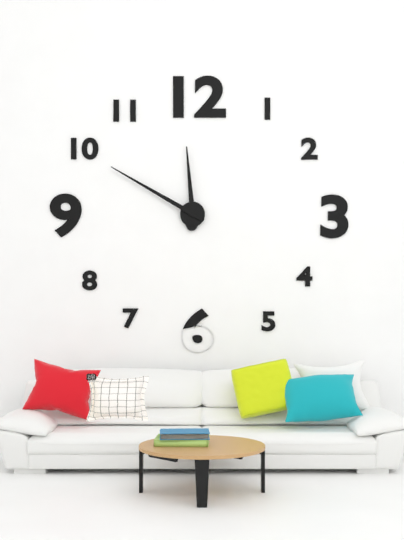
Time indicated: 11,50
